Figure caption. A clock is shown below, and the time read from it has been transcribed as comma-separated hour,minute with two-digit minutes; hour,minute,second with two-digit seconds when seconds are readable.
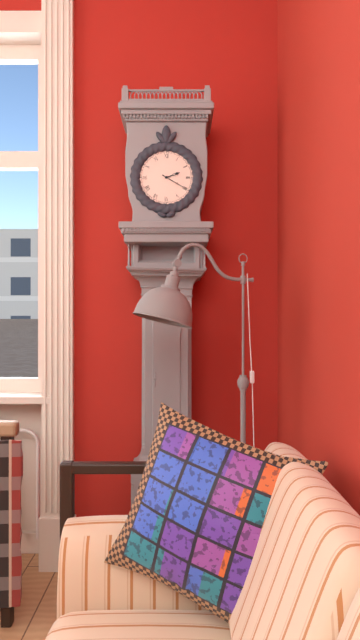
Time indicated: 2,20
